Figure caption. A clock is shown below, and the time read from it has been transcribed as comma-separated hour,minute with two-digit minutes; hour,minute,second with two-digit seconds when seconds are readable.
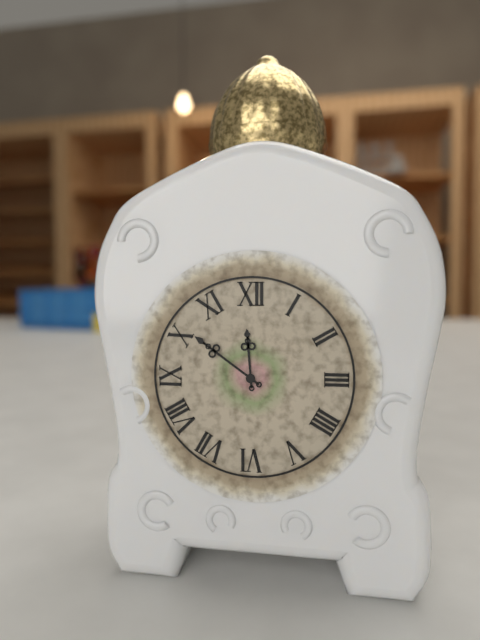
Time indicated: 11,51
